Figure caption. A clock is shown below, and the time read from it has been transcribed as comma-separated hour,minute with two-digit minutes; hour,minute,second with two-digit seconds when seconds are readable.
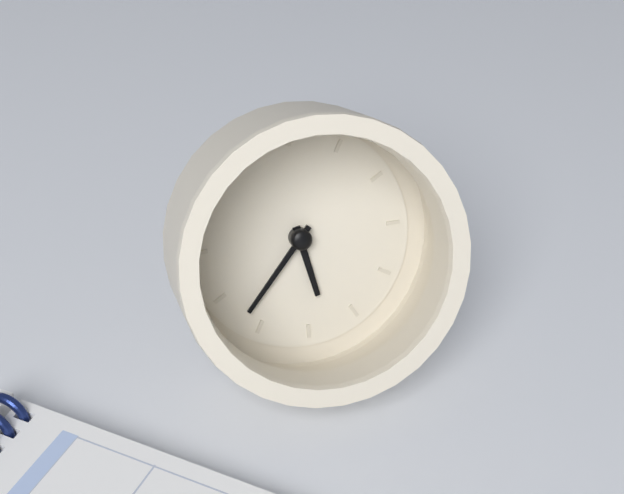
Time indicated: 5,37
